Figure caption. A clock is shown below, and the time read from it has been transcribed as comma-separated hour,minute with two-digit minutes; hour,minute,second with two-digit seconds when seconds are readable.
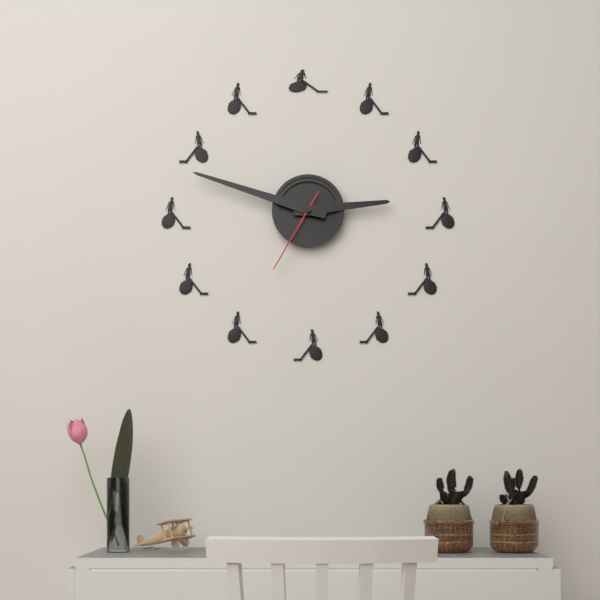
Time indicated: 2,48,35
